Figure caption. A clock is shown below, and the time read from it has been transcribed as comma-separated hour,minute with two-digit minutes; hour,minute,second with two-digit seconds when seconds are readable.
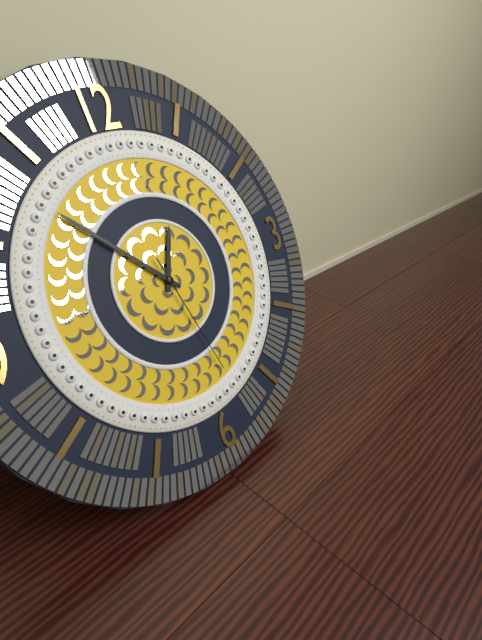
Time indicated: 12,53,28
